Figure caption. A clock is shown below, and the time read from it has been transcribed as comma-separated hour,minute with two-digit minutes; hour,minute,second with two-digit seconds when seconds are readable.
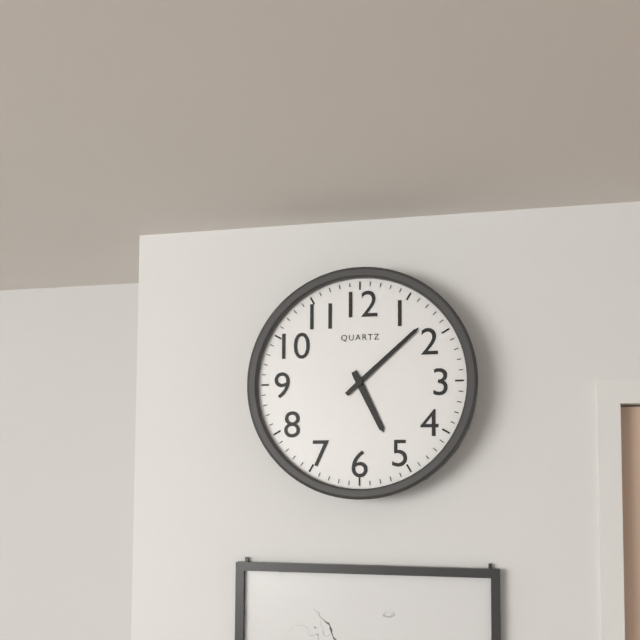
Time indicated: 5,08
